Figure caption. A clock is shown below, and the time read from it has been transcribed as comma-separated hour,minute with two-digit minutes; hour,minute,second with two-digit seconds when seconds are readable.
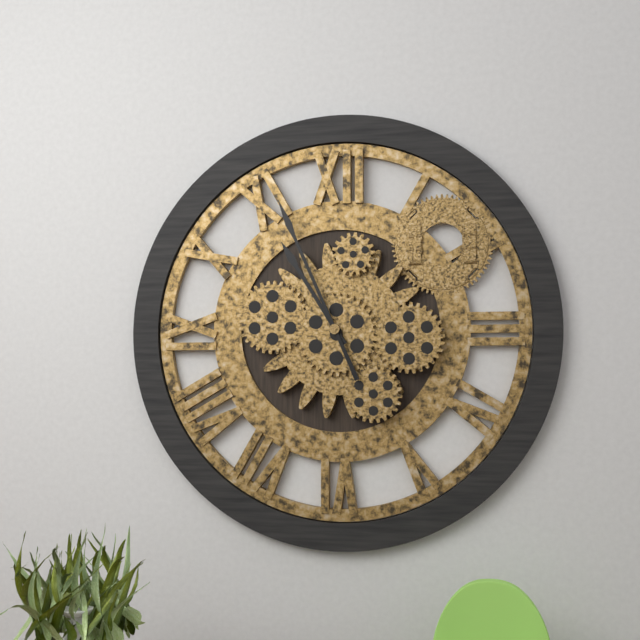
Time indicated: 10,56
